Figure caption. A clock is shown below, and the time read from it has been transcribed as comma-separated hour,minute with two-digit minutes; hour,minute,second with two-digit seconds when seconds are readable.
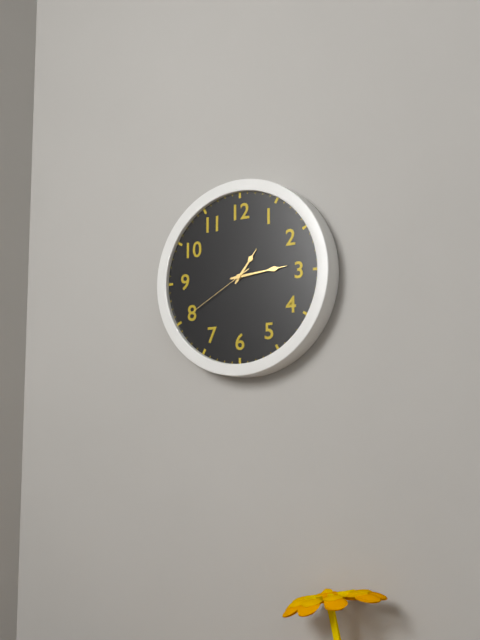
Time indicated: 1,14,40
